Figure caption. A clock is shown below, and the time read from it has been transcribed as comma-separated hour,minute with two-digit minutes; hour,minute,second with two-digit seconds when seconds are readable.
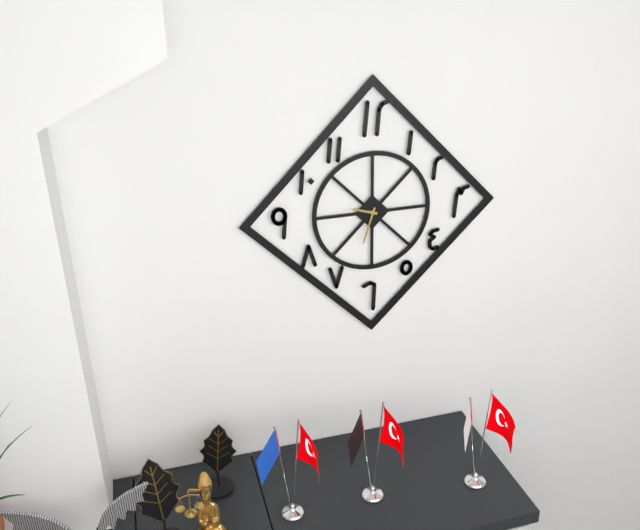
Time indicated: 9,33
